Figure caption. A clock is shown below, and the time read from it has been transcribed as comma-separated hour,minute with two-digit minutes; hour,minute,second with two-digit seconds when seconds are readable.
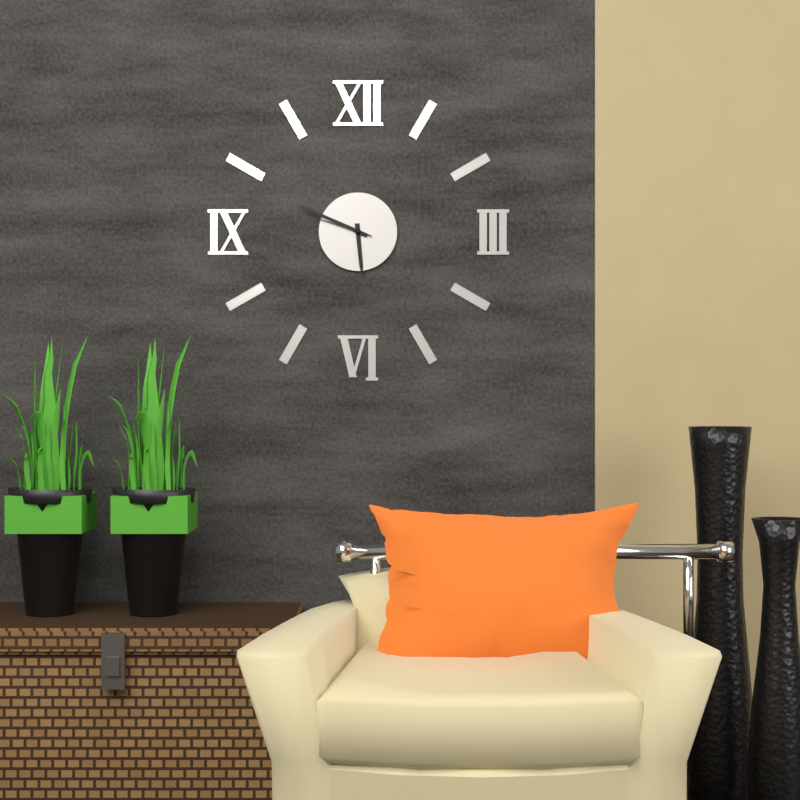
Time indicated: 5,49,48
